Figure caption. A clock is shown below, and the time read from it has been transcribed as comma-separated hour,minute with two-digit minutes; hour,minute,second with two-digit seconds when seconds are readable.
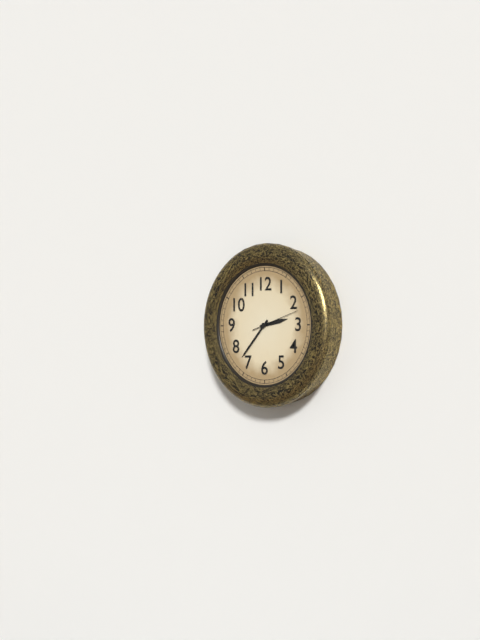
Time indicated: 2,37
